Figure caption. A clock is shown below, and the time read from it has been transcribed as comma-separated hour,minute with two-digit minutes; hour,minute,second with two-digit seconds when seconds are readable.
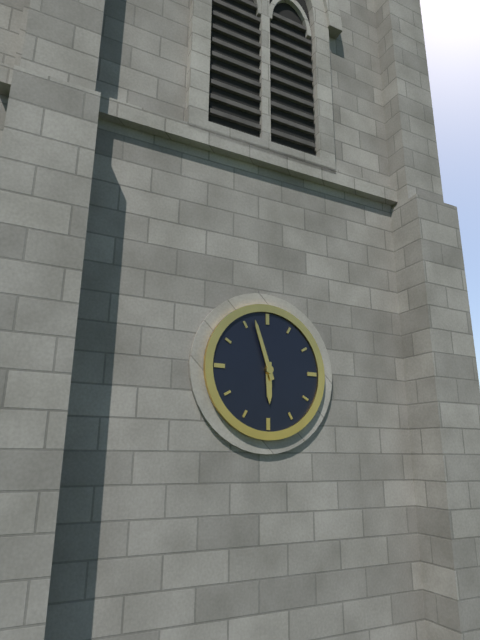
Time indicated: 5,57
